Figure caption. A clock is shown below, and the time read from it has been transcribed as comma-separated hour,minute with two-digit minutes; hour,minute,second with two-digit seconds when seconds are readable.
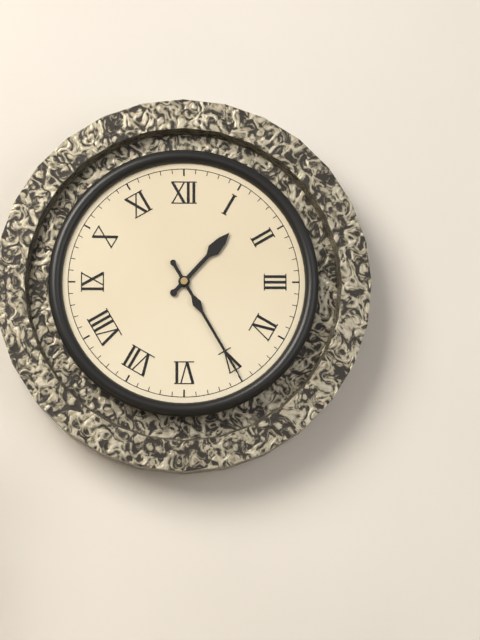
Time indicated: 1,25
